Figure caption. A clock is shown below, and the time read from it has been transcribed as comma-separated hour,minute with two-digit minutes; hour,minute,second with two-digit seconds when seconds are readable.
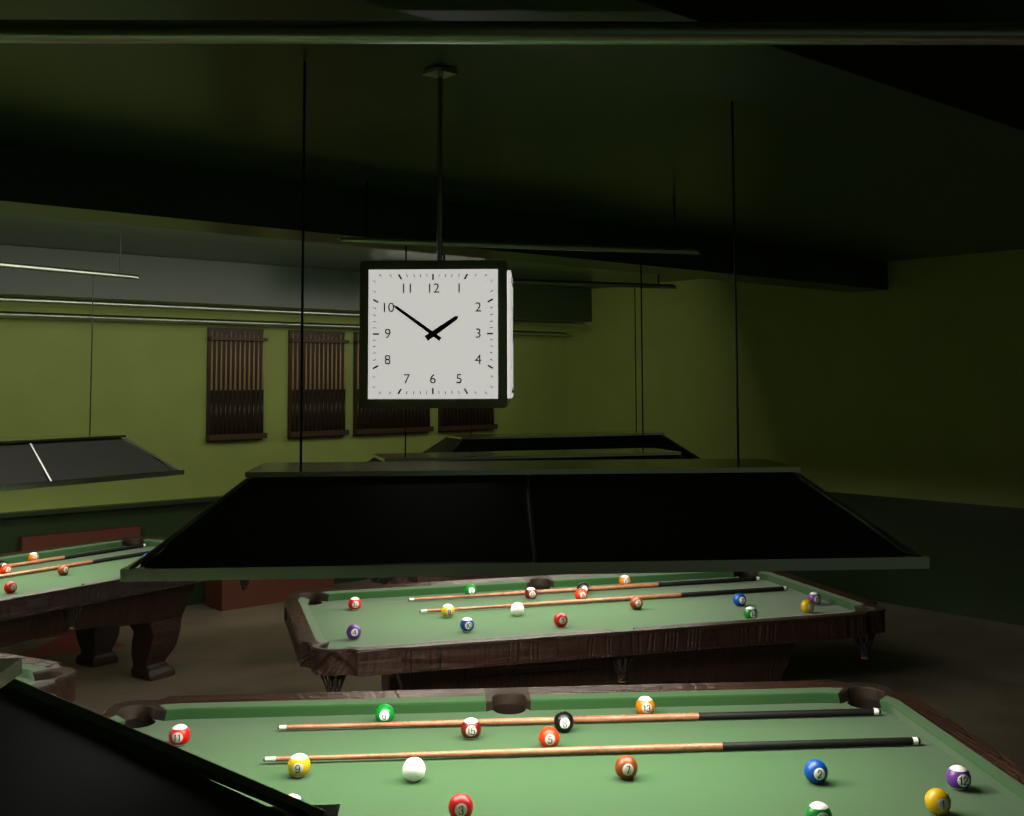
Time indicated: 1,51
